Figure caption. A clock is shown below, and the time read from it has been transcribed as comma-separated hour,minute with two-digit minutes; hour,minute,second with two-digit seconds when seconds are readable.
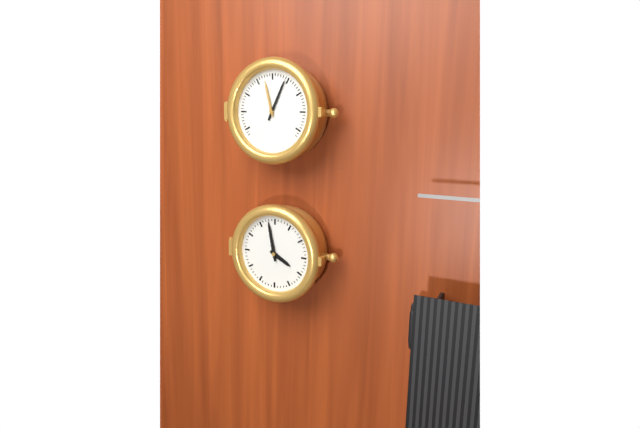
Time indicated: 3,58
